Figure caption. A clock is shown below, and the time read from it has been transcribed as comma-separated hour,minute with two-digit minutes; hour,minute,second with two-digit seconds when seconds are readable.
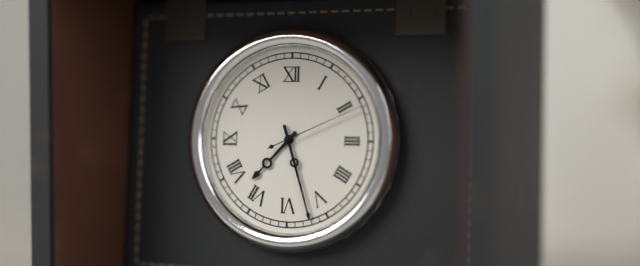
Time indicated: 7,27,11
